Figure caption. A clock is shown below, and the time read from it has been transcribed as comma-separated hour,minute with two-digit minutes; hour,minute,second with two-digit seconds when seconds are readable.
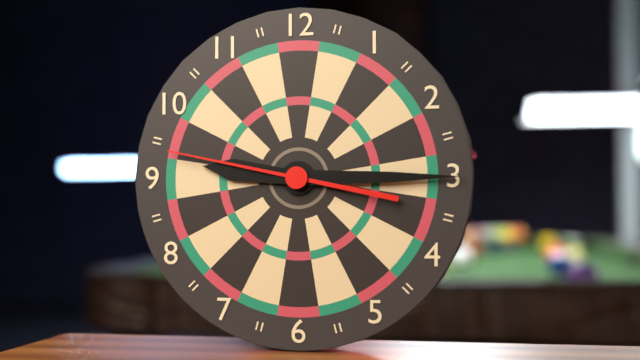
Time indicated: 9,15,47
